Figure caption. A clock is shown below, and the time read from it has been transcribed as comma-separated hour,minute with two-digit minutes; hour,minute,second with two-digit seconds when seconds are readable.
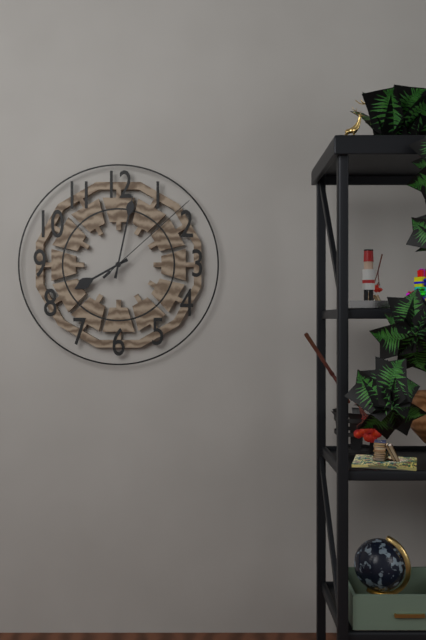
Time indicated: 8,02,08
